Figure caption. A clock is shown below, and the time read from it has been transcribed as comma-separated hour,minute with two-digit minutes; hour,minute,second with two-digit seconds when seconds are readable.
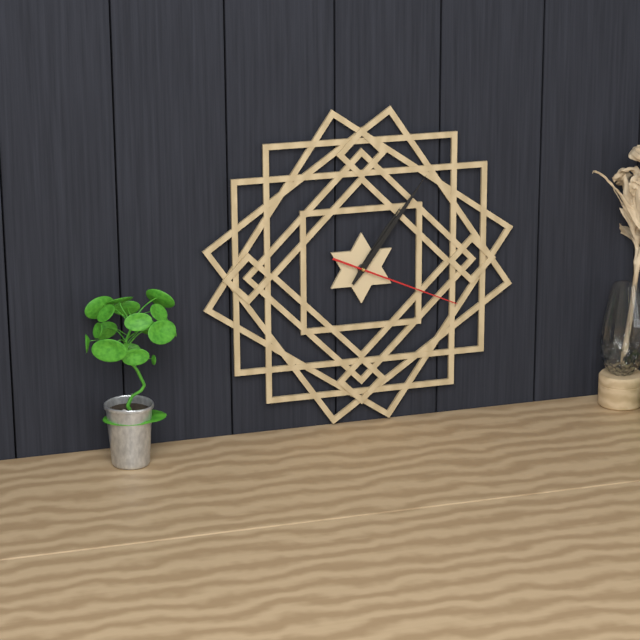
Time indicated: 1,06,19
